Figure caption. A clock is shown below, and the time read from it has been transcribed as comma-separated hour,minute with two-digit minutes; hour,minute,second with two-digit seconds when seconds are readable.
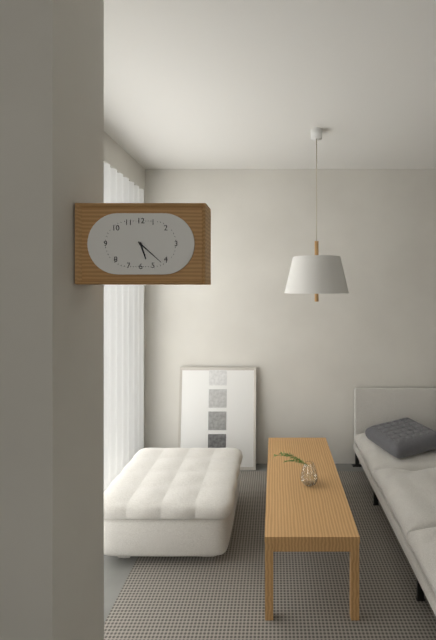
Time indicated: 5,22
